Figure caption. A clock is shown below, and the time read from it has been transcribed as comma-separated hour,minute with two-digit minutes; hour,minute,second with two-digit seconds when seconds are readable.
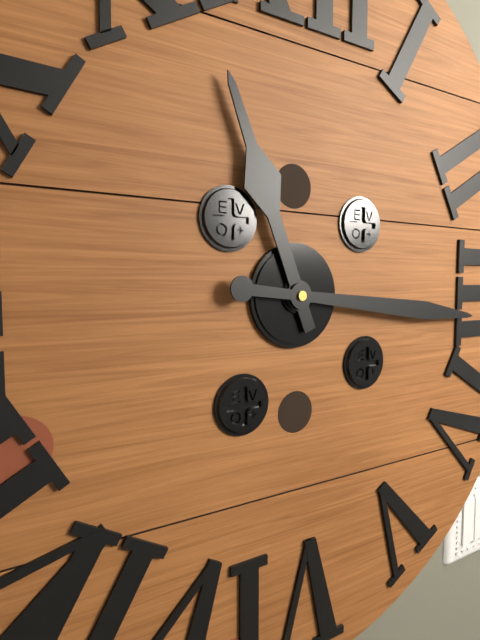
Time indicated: 11,16
